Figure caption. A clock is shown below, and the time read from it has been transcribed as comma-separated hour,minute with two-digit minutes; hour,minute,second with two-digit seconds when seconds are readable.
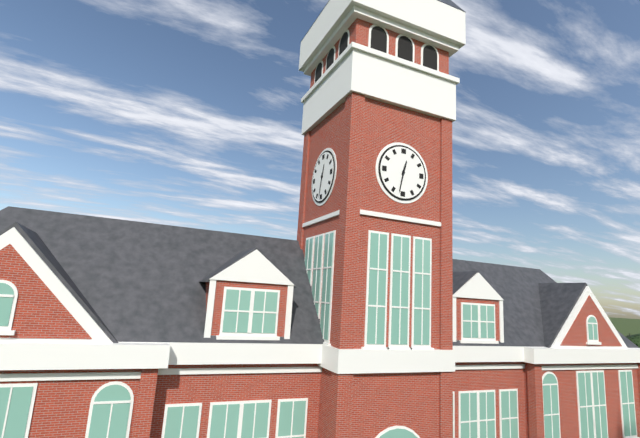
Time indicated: 12,32
